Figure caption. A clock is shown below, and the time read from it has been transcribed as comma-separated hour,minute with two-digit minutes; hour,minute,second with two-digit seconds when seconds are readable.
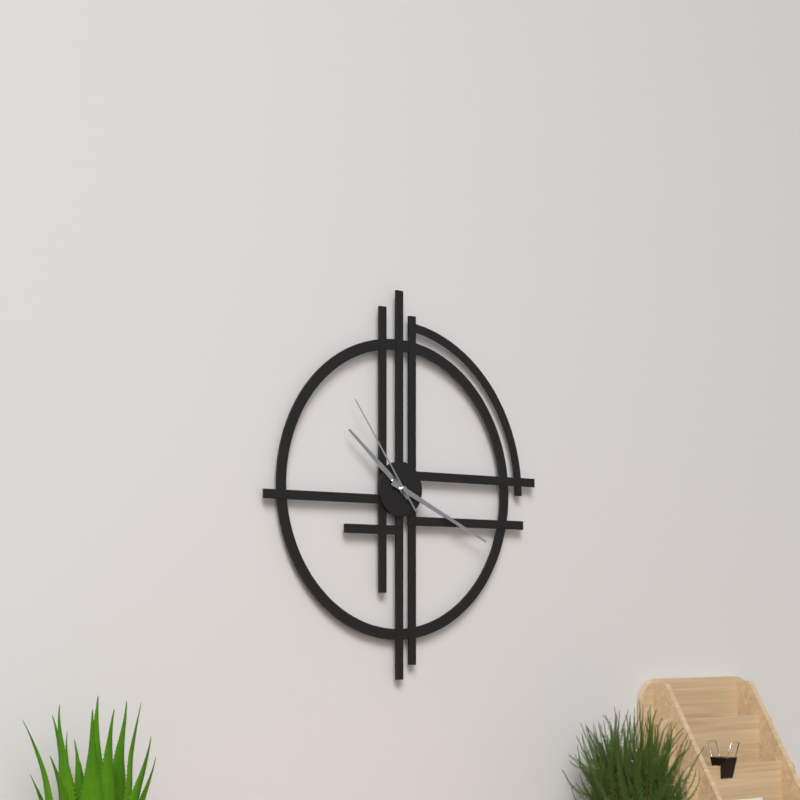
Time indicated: 10,19,54
